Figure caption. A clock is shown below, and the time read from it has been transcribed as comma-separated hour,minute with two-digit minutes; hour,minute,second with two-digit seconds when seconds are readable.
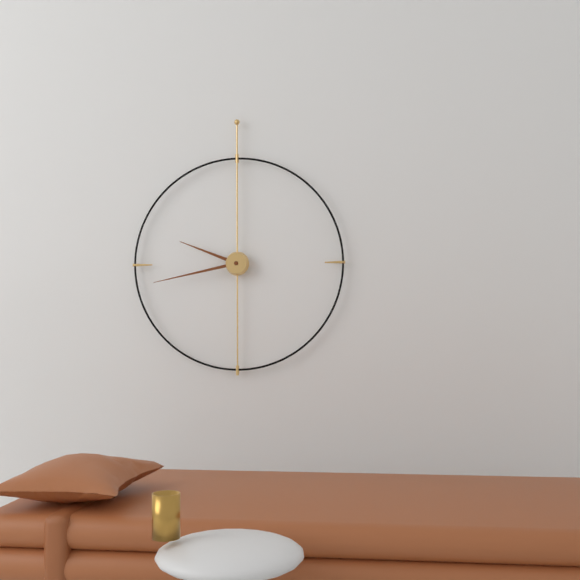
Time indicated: 9,43
